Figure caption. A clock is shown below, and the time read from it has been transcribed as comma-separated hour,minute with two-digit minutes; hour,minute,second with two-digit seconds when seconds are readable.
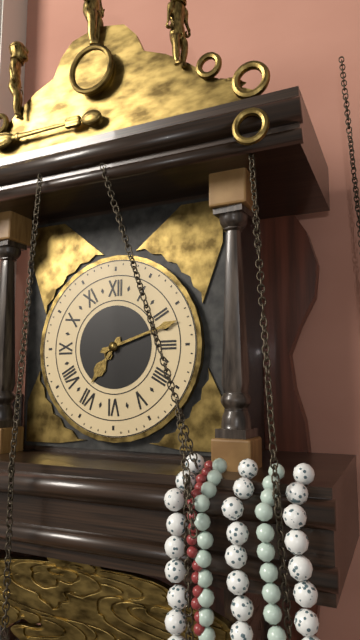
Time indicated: 7,12
